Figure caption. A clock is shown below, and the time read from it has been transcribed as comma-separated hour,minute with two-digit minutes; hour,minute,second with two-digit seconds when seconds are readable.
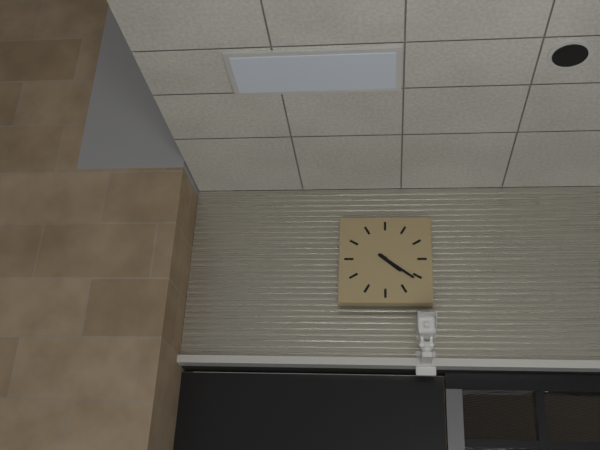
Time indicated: 4,21
